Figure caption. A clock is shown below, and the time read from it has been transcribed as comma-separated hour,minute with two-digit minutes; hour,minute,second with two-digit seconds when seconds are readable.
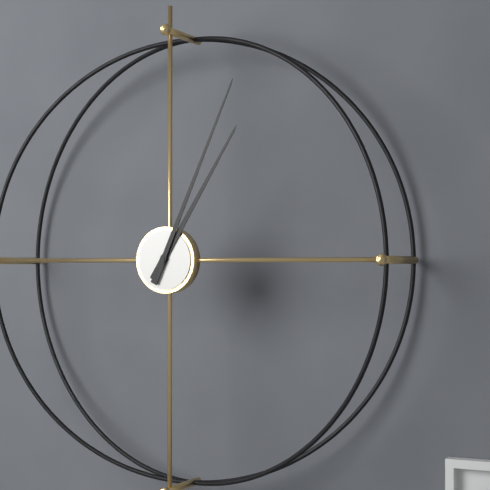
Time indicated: 1,04
